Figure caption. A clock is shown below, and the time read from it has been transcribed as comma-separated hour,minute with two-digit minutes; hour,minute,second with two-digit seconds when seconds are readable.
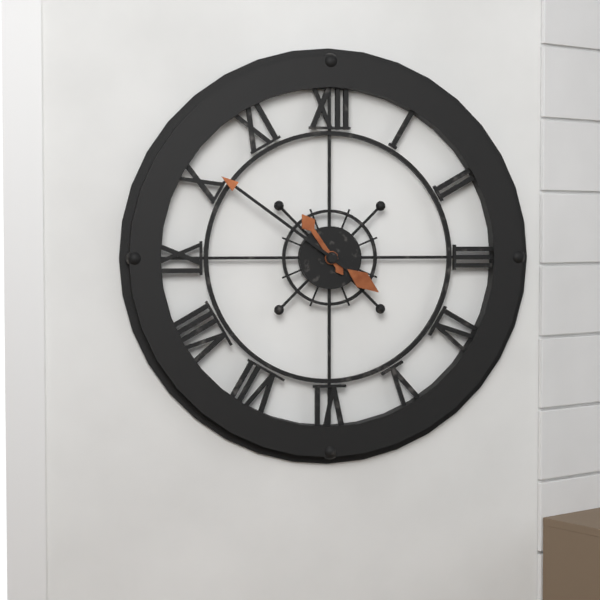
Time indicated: 10,51
